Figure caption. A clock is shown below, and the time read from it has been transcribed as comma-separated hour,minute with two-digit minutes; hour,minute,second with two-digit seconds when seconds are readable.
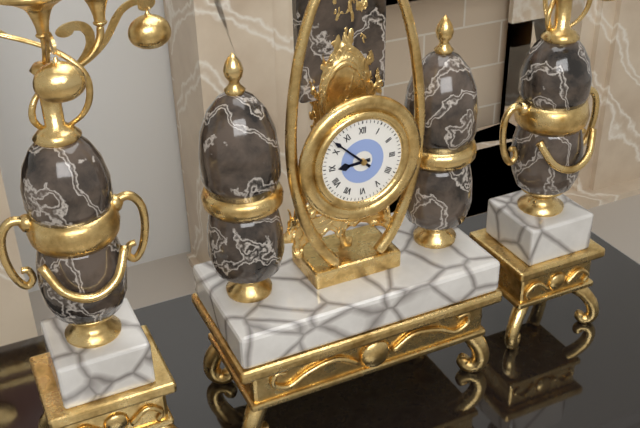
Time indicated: 8,52
